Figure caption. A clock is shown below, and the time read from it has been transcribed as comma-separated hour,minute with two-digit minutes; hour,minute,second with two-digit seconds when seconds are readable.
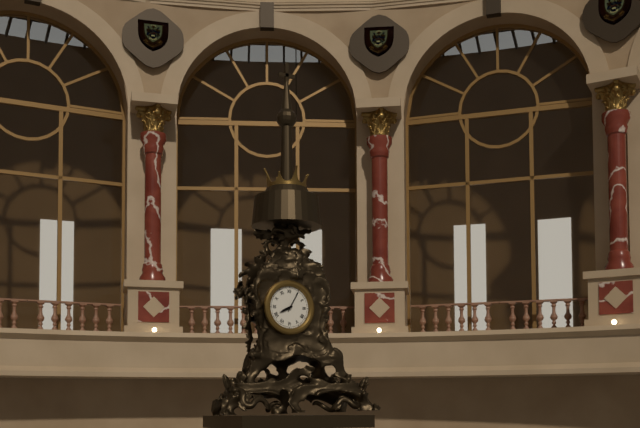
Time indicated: 8,05
